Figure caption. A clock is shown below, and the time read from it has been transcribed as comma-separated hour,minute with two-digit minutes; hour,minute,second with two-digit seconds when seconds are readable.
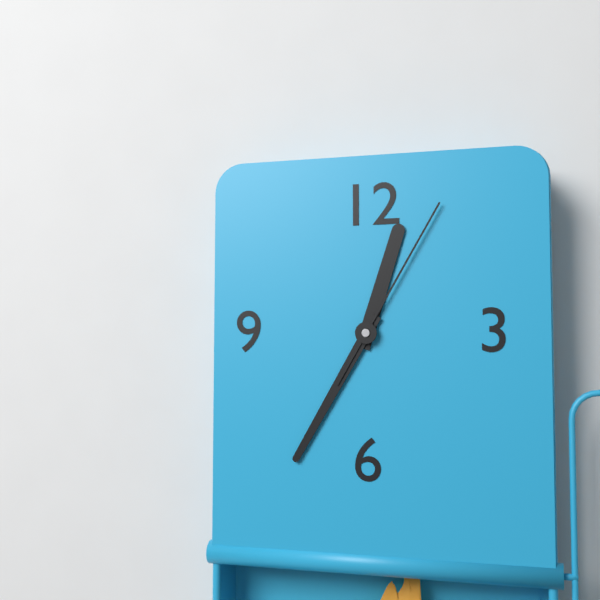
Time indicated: 12,35,05
